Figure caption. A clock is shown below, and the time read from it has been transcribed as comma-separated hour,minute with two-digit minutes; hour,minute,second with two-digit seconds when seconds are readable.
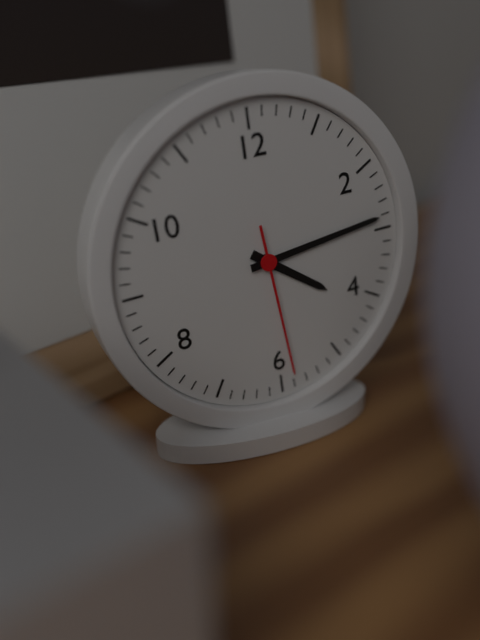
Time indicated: 4,14,29
